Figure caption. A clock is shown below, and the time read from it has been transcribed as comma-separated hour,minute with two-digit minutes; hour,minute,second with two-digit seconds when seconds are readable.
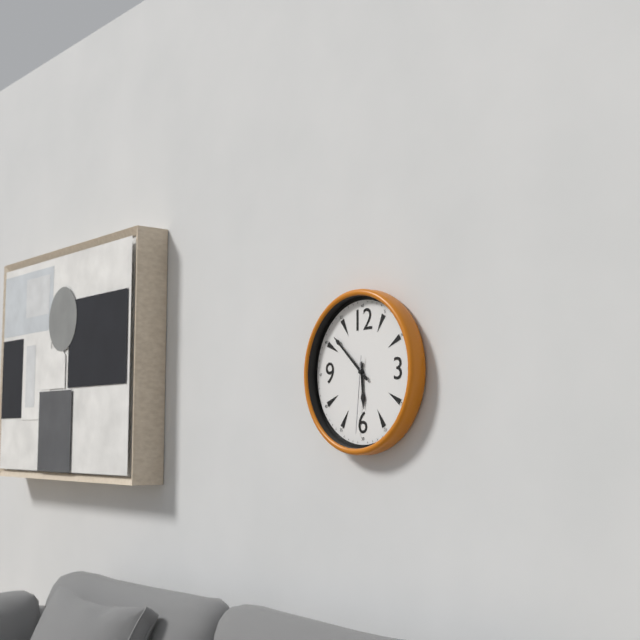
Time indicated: 5,52,31
